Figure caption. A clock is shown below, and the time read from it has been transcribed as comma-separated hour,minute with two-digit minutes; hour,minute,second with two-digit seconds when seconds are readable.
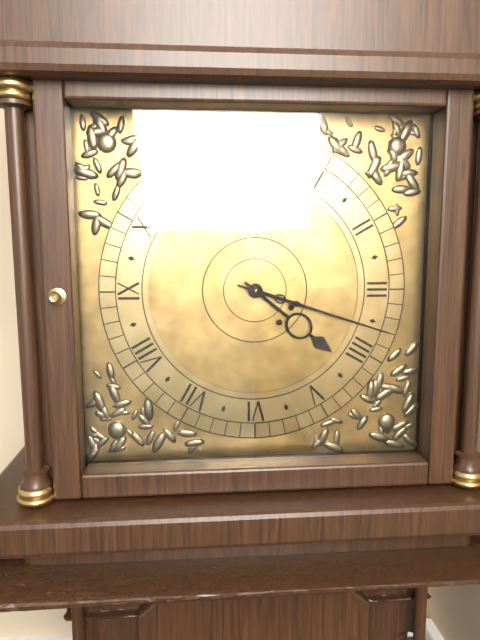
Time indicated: 4,18
